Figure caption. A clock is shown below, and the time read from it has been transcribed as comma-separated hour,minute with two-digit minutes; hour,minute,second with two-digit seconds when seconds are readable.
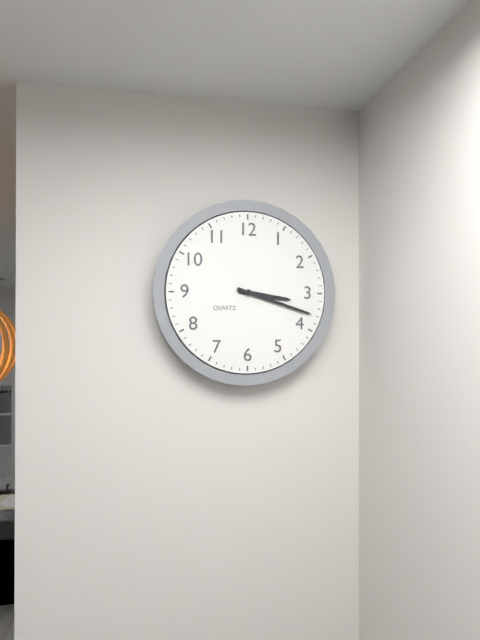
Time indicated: 3,18
